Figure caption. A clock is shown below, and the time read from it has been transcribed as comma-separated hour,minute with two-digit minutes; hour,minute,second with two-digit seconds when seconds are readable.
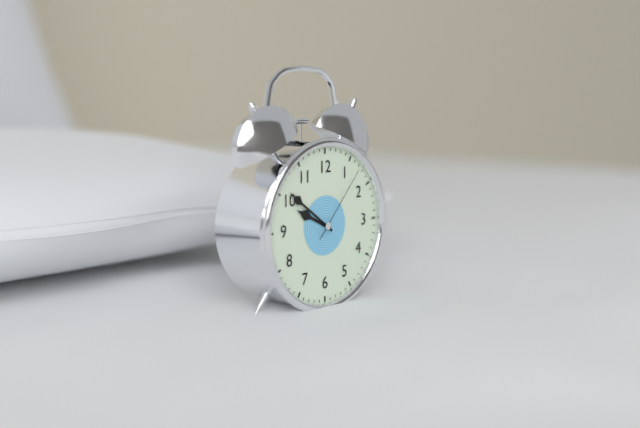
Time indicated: 9,51,07
